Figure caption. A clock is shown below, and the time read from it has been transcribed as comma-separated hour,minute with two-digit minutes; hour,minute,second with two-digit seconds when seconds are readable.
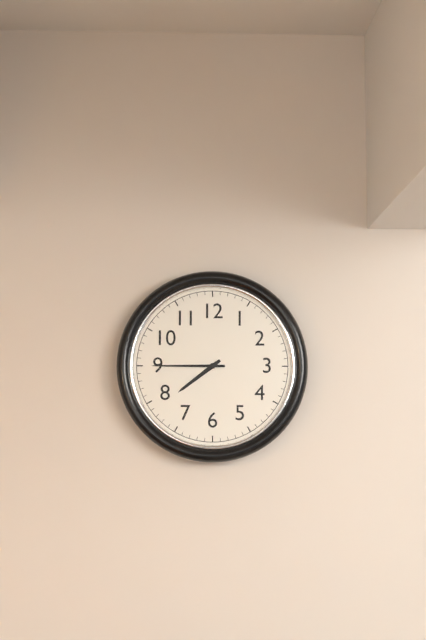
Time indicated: 7,45
